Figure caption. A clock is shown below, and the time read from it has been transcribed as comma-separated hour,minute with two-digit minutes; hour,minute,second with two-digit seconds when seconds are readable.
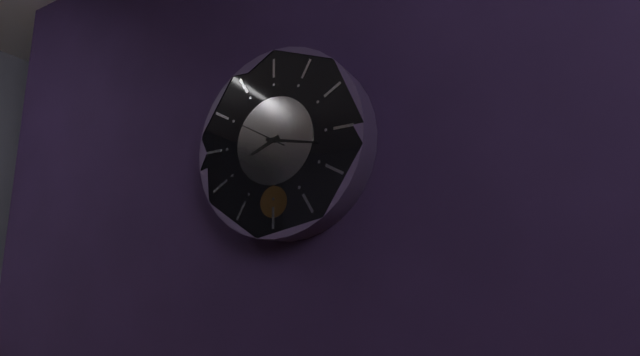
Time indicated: 8,17,50
